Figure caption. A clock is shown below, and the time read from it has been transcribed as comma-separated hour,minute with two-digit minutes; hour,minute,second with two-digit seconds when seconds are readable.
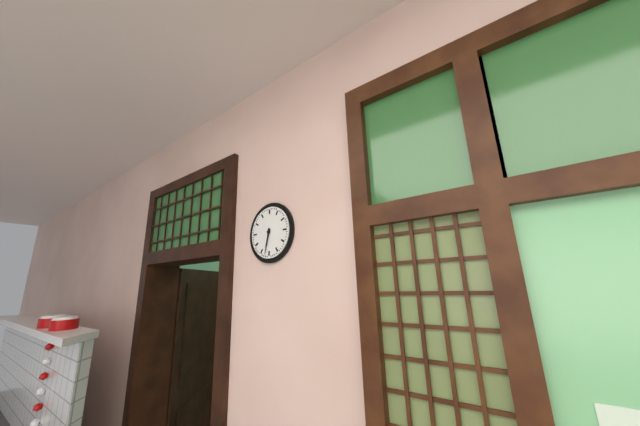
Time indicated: 6,32
